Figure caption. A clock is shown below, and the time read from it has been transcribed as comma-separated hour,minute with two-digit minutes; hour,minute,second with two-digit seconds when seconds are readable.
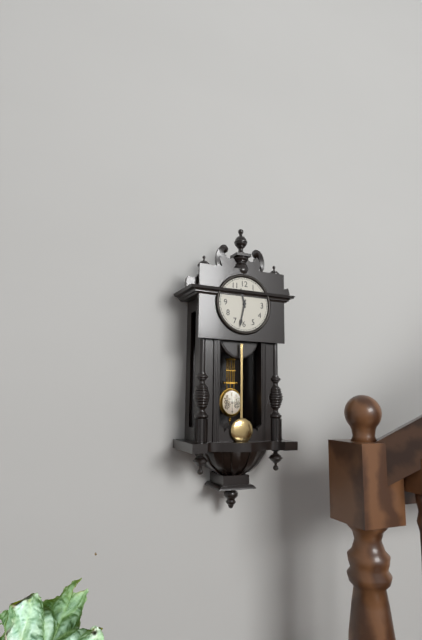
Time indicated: 11,32
